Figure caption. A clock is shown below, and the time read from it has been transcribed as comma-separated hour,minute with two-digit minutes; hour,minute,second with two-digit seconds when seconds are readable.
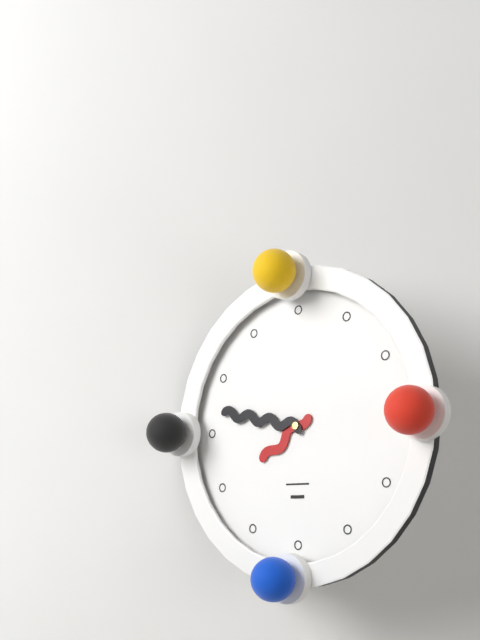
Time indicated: 7,47
